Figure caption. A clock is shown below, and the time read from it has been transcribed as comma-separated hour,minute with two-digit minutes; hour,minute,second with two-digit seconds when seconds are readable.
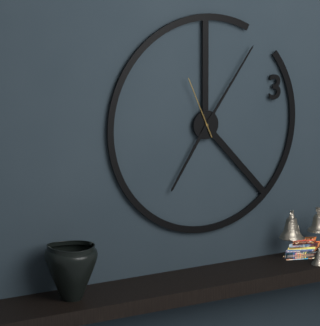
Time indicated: 7,06,56
